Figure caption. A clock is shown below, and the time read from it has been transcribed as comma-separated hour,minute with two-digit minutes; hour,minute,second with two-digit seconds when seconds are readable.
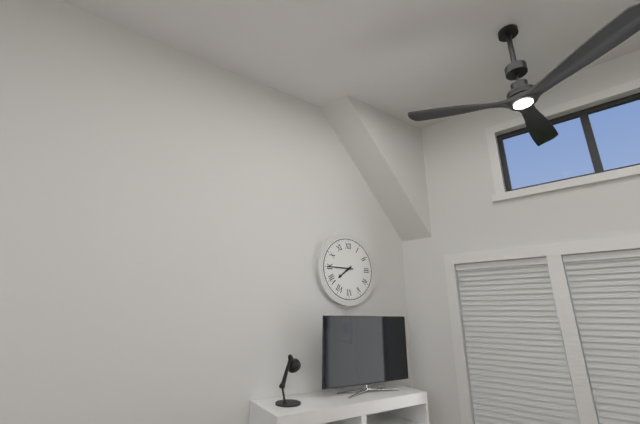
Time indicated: 7,45
